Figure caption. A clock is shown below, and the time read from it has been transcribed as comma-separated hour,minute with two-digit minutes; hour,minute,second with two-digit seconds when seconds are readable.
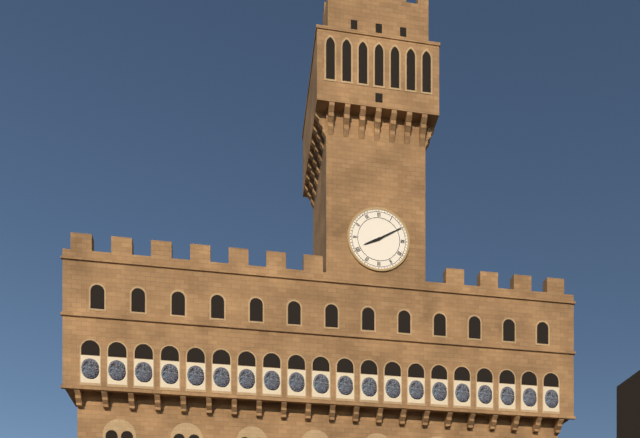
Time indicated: 8,10
